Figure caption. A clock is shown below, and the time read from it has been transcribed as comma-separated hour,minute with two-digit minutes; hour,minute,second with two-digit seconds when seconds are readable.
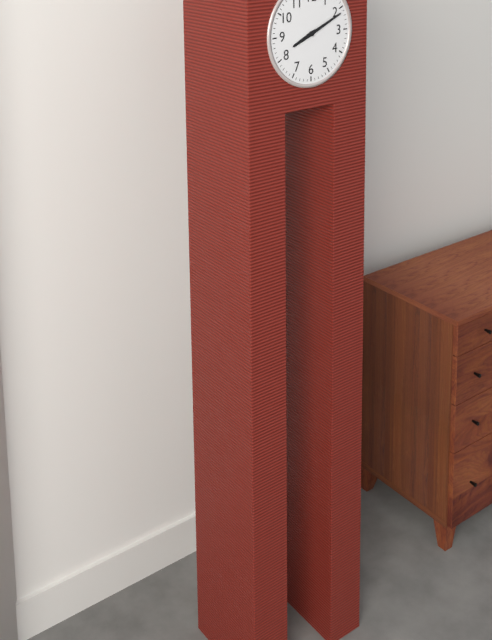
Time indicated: 8,11
